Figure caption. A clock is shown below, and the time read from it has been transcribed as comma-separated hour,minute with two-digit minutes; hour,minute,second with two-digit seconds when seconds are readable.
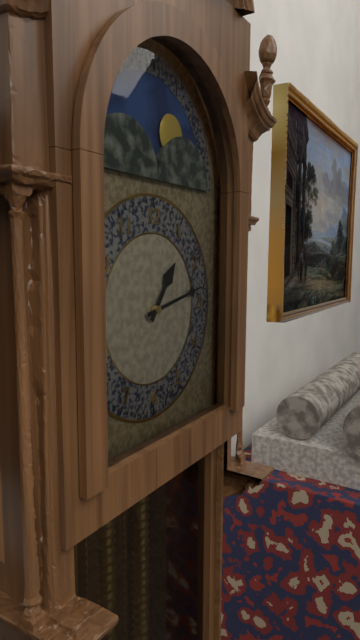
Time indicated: 1,13
